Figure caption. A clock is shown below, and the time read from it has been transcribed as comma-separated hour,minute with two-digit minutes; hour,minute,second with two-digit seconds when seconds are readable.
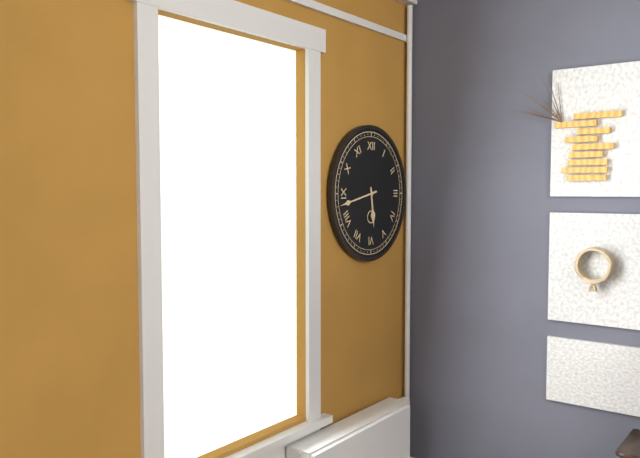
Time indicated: 5,43
